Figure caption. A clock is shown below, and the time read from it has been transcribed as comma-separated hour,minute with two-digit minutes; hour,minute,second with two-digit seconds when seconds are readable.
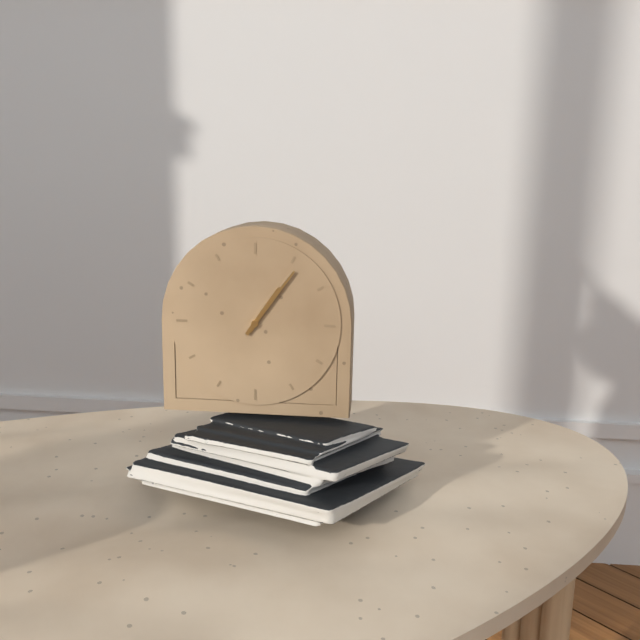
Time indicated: 1,06
